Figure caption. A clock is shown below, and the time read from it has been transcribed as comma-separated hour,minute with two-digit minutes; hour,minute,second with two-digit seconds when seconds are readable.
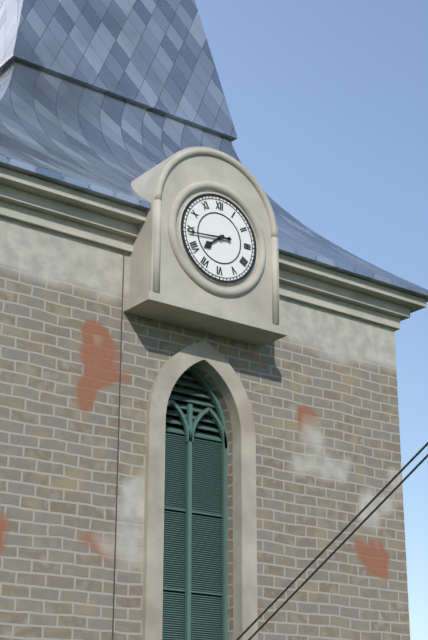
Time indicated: 7,44
